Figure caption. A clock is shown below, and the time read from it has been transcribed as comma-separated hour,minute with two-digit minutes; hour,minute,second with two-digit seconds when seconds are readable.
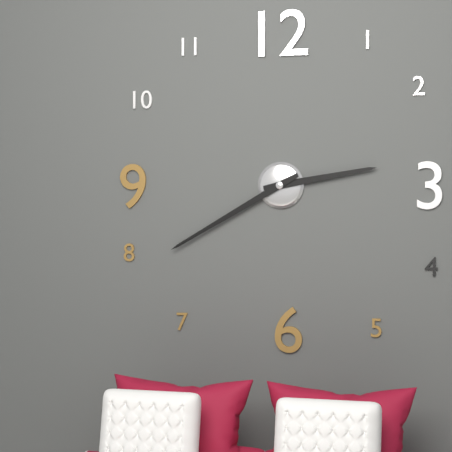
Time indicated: 2,40
